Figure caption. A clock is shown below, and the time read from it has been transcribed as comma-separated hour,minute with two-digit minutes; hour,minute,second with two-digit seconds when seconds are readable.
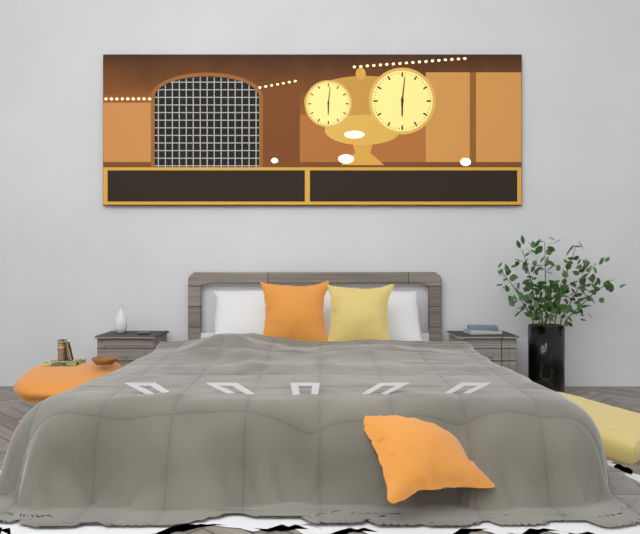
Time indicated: 6,01
